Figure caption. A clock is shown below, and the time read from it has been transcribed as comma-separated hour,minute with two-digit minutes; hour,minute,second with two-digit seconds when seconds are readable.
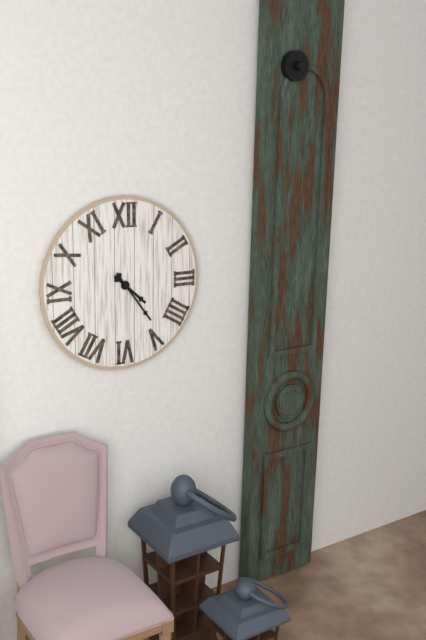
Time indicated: 4,24
